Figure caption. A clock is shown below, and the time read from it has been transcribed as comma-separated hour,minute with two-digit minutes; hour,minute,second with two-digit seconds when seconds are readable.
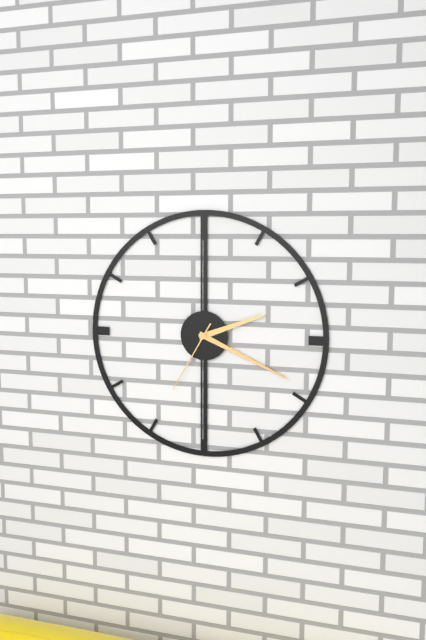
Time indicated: 2,19,35
